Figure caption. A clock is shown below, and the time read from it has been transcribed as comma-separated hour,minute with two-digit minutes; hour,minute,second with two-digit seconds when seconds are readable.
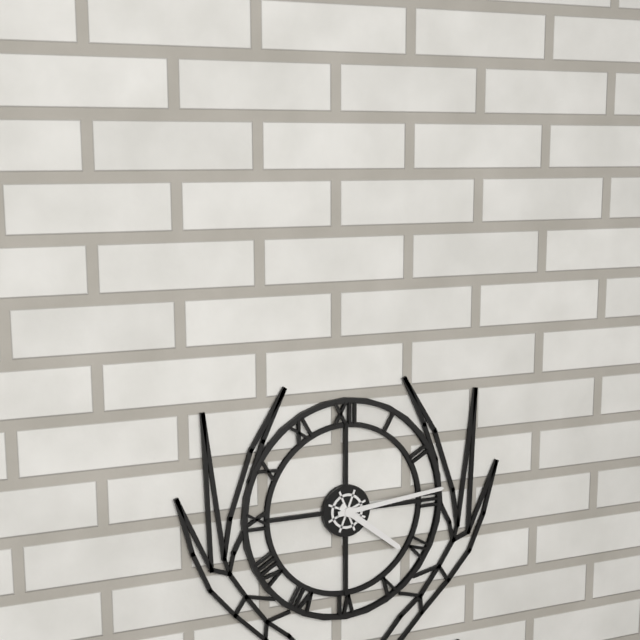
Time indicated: 4,14
